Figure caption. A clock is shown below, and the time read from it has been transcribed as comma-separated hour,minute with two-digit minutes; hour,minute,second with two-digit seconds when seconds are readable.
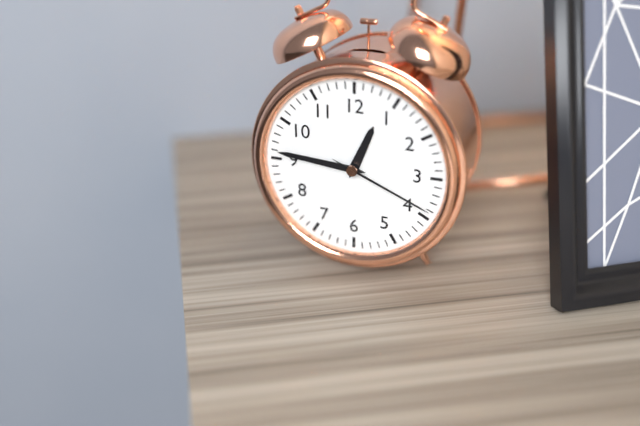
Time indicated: 12,46,19
